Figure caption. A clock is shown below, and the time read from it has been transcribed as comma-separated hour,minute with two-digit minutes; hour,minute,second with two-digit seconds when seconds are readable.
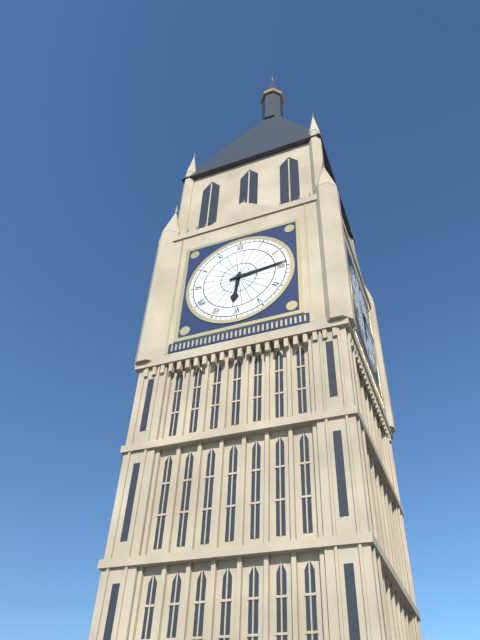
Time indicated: 6,14
